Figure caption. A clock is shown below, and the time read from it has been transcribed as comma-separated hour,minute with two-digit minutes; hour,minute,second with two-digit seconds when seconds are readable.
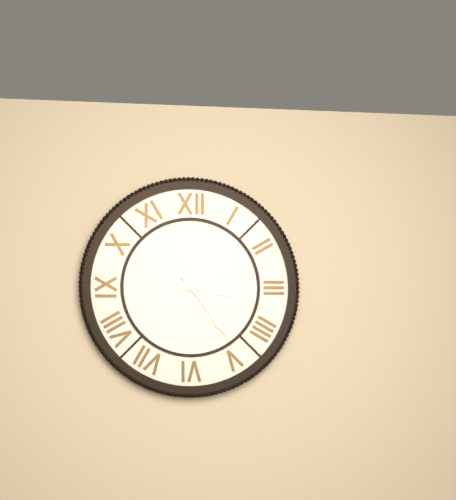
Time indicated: 3,24
